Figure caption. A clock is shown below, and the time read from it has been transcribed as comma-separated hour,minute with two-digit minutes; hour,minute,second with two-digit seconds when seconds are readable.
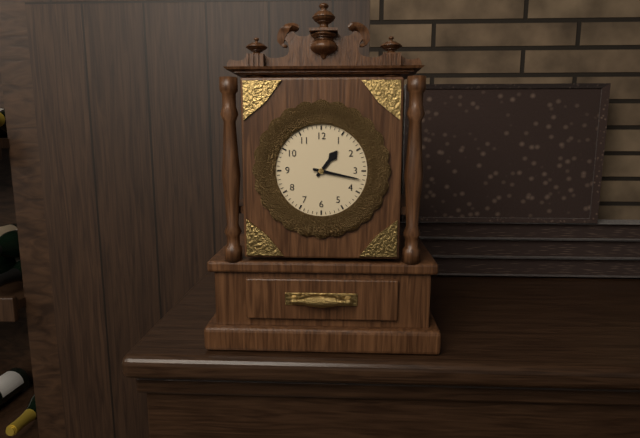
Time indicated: 1,17
